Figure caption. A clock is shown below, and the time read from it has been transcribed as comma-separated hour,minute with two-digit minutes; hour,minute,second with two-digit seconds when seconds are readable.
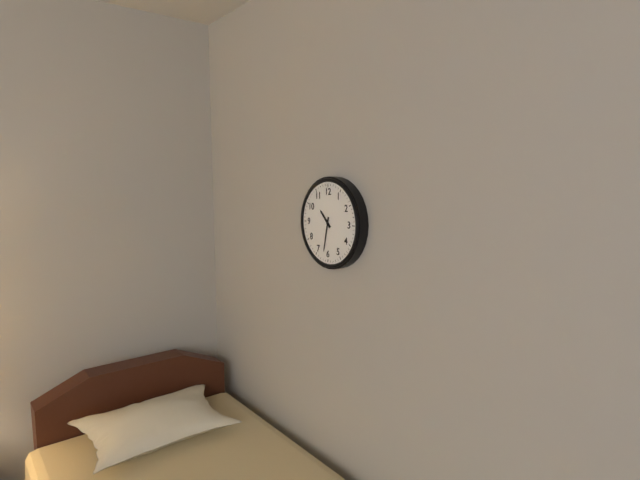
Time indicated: 10,32
